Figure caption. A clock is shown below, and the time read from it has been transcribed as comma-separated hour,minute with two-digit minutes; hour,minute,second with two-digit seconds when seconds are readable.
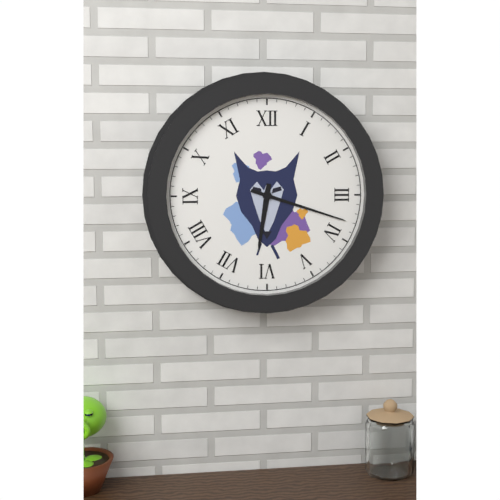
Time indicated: 6,18
